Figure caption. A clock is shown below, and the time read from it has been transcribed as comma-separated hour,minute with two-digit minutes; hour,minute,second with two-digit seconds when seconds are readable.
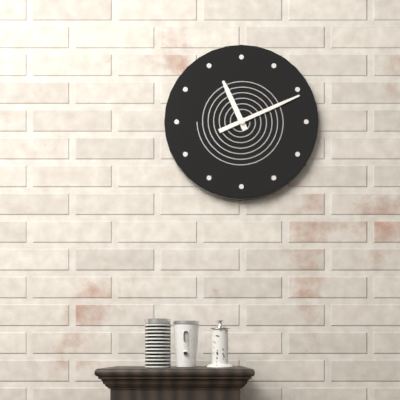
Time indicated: 11,11
